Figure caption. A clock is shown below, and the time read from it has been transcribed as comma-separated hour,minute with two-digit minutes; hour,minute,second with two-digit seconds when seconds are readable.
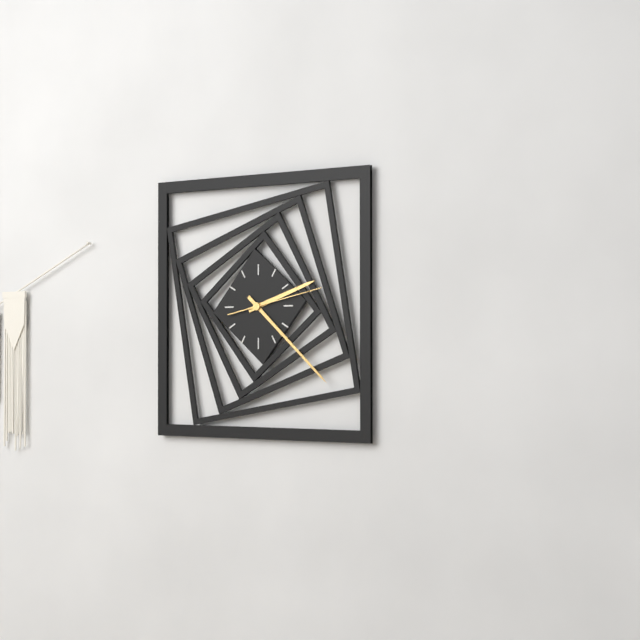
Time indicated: 2,22,13
